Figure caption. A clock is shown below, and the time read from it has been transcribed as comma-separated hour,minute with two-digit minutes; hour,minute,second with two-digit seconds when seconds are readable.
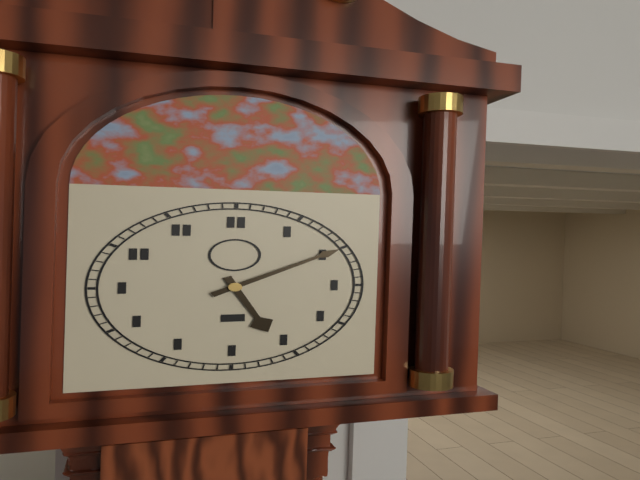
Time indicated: 5,10
